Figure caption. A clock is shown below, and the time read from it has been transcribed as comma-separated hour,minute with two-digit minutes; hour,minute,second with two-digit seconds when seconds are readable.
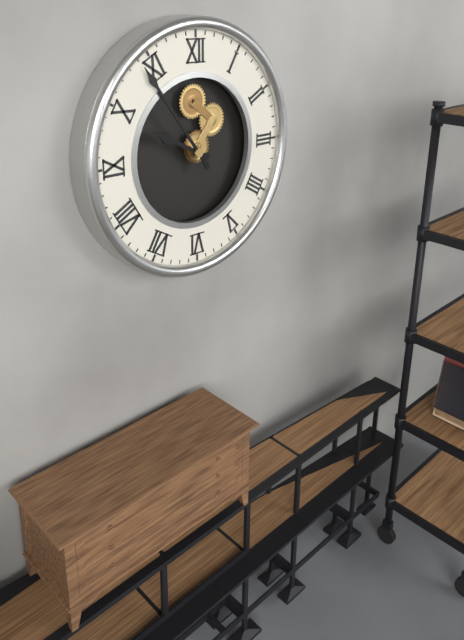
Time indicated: 9,54
